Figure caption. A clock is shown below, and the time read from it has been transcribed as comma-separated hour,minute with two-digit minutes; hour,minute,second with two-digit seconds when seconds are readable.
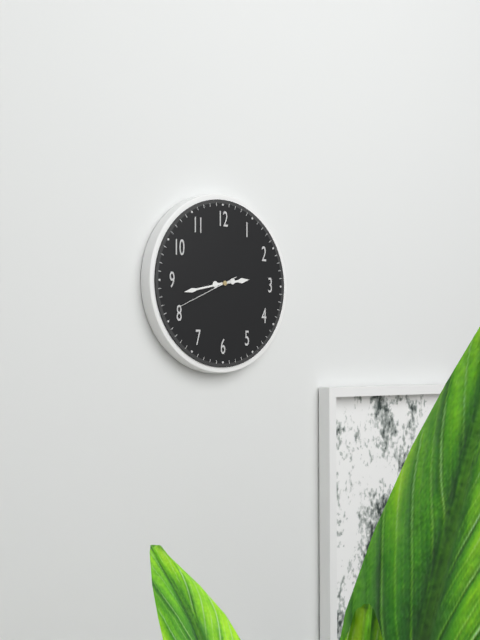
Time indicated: 2,43,41
